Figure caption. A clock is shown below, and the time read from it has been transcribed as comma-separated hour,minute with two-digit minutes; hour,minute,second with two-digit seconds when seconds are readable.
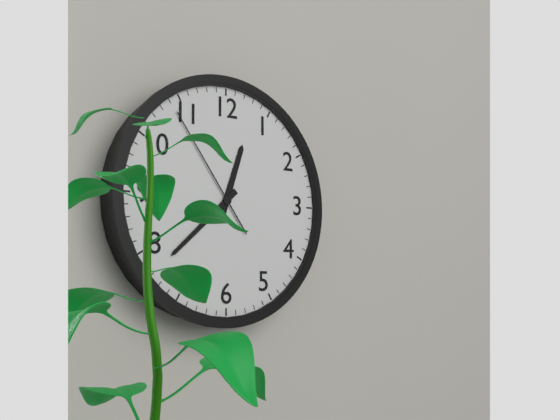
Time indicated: 12,38,54
